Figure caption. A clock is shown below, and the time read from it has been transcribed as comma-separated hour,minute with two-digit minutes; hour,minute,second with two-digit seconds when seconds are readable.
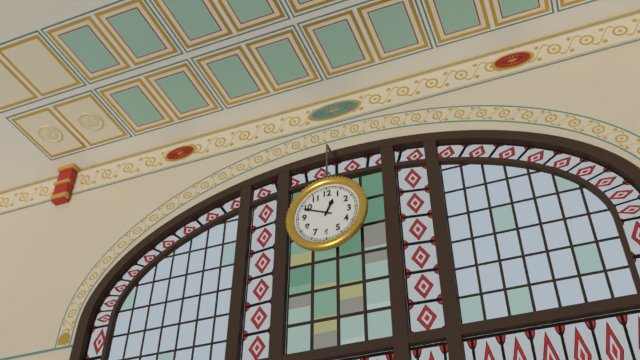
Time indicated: 12,49
